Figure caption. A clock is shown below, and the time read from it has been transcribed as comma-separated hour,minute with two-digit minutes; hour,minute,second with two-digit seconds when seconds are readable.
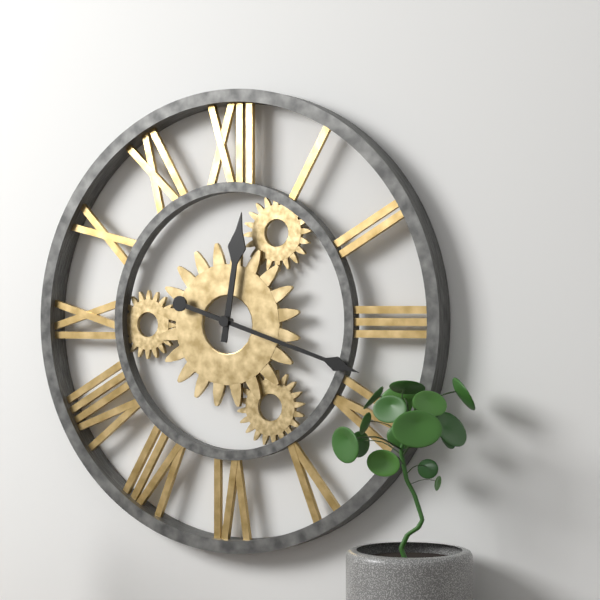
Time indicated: 12,18
